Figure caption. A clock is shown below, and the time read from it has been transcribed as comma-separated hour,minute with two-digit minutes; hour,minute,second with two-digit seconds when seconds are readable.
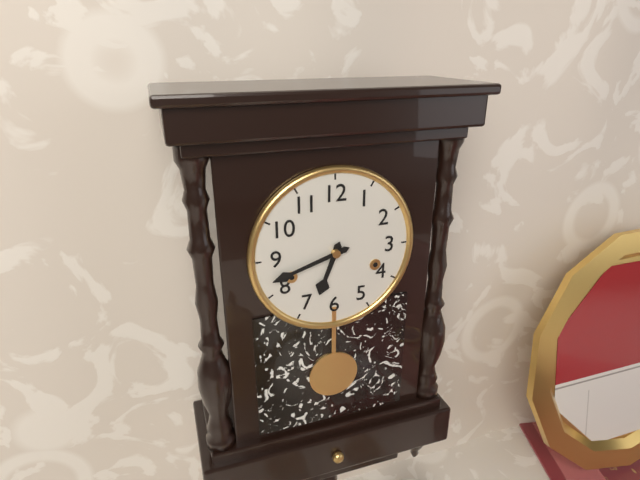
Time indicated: 6,42
